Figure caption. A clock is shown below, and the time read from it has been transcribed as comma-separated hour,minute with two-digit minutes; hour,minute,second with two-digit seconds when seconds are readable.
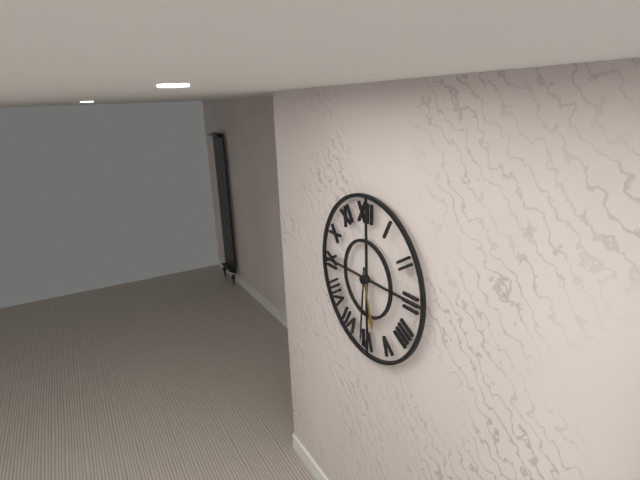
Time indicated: 5,31
